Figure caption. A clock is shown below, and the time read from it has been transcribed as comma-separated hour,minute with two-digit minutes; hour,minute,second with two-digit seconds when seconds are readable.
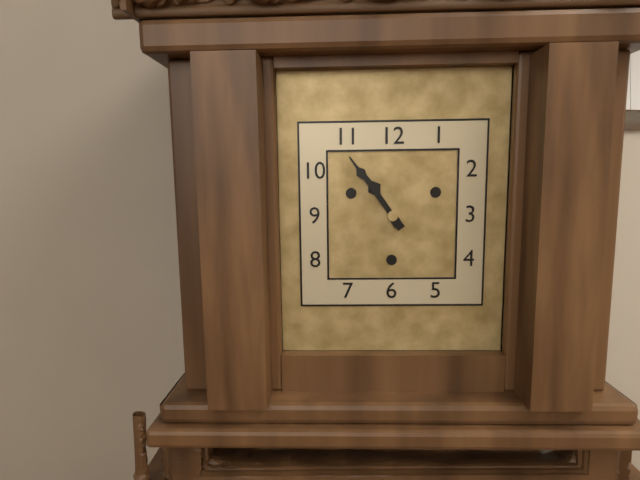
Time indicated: 10,54
